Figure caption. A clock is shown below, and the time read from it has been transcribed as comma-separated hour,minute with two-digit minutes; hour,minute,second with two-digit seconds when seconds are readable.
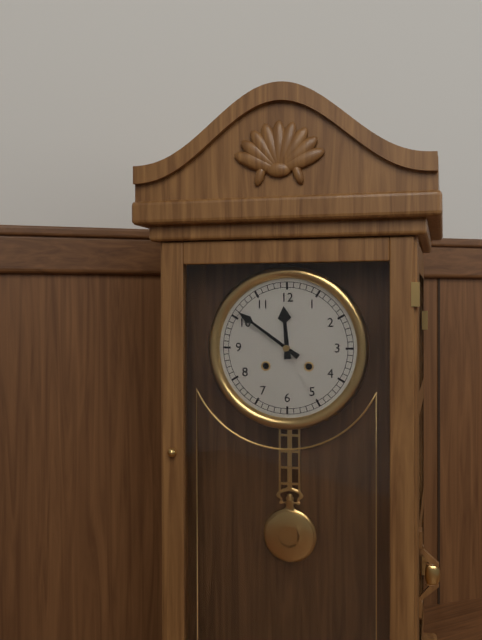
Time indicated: 11,51
